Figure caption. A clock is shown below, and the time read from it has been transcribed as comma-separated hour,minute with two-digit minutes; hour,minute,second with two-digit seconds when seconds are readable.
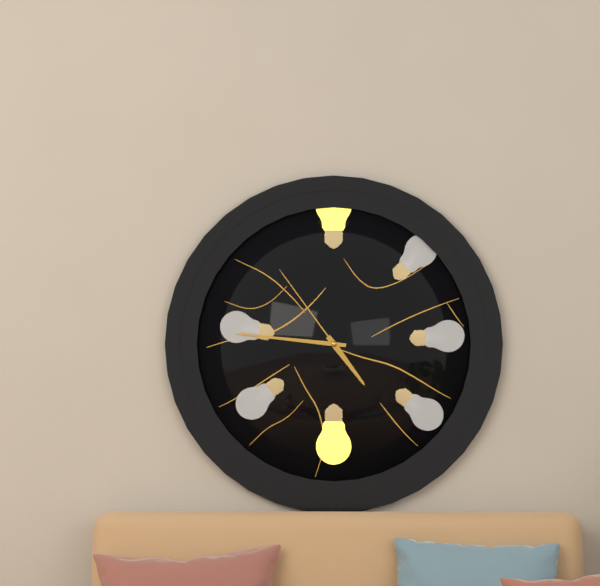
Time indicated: 4,46,54
